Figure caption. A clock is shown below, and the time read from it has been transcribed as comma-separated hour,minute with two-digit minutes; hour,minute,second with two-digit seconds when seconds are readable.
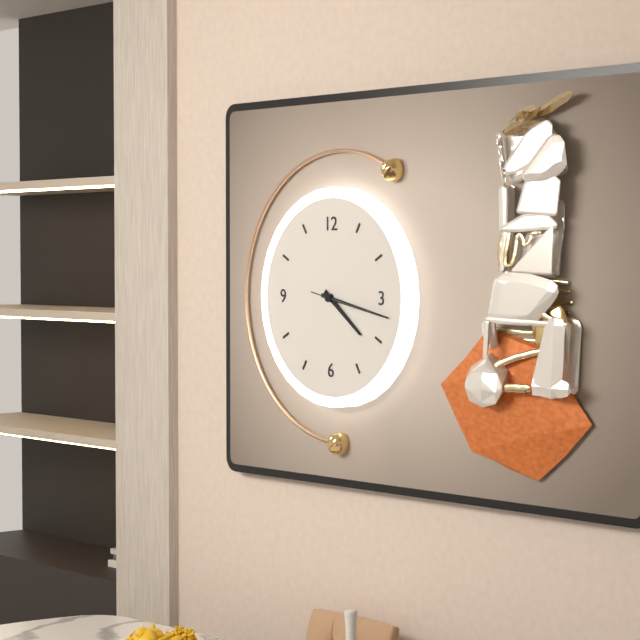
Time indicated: 4,17,17
